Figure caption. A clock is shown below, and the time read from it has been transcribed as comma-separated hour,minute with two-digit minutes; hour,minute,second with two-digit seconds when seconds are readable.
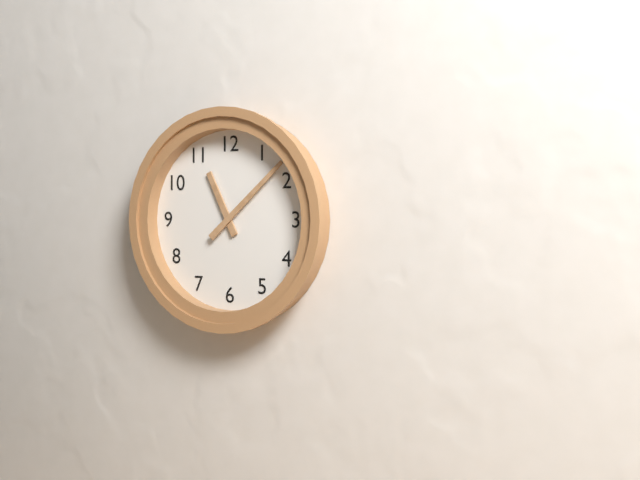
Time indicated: 11,08
